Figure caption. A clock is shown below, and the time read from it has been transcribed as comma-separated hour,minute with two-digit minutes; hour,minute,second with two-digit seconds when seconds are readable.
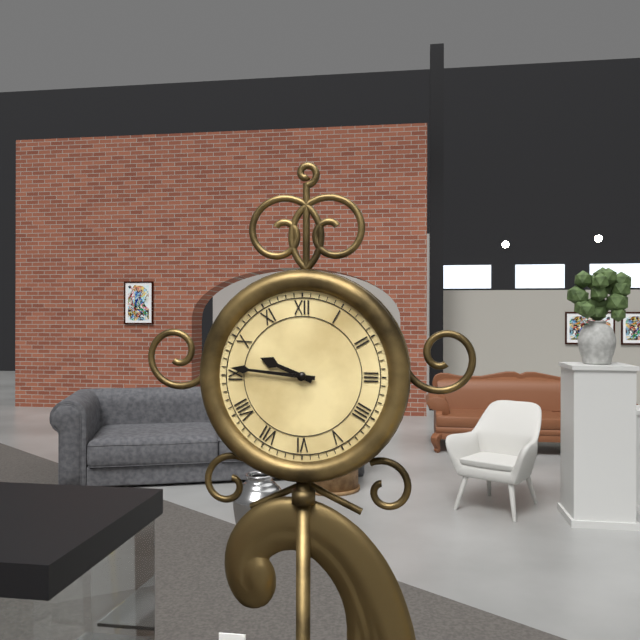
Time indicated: 9,46
